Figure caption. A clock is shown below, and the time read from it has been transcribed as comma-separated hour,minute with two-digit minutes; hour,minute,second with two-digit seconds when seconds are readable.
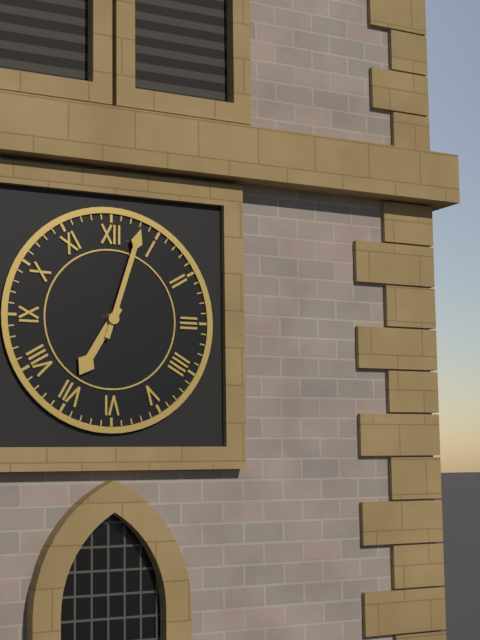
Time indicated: 7,03
